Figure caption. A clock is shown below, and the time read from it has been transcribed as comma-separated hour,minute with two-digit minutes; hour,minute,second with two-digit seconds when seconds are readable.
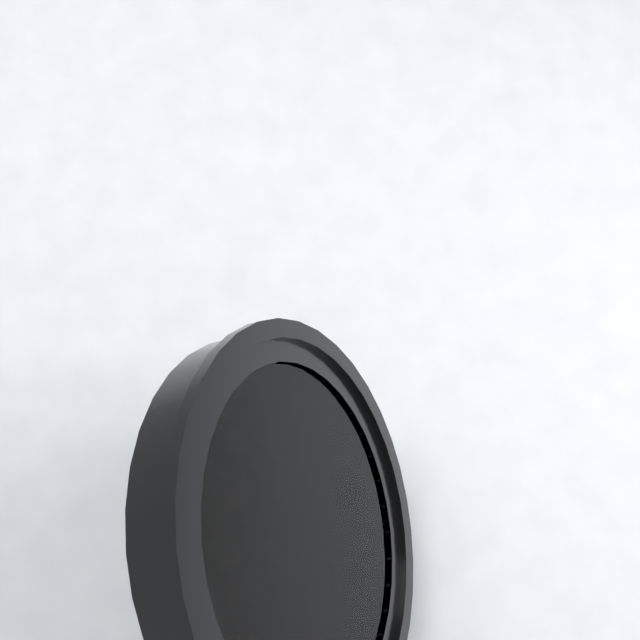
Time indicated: 6,03,03
